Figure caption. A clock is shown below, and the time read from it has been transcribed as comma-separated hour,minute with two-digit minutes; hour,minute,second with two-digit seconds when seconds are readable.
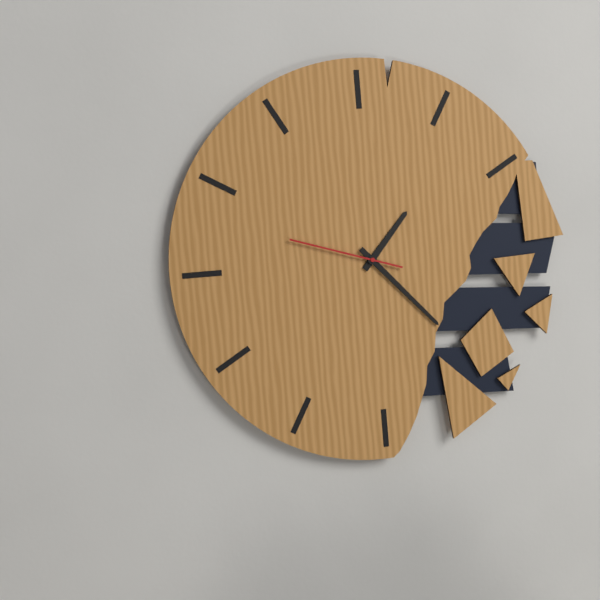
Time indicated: 1,23,48
